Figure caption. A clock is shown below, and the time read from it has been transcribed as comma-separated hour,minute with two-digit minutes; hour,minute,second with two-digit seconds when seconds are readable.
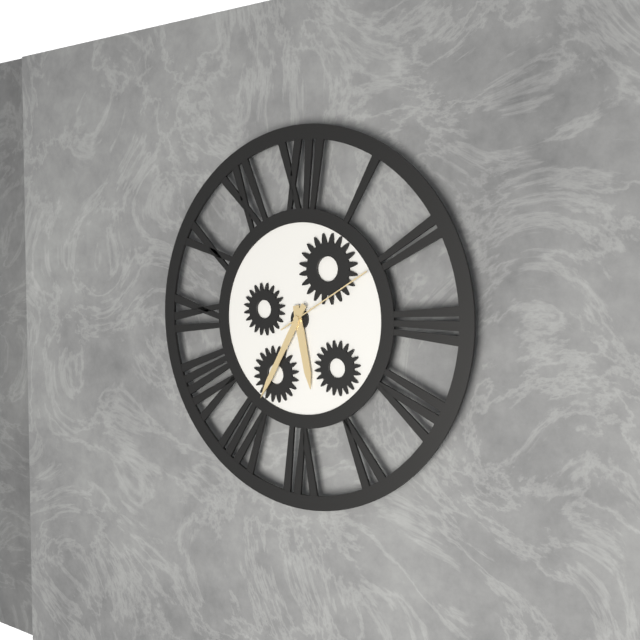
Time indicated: 5,35,10
